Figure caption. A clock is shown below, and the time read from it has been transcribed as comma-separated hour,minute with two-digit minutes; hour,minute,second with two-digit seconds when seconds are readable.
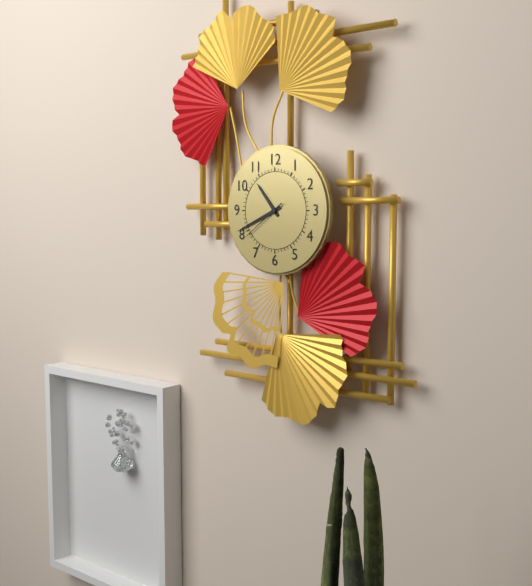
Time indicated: 10,41,39
